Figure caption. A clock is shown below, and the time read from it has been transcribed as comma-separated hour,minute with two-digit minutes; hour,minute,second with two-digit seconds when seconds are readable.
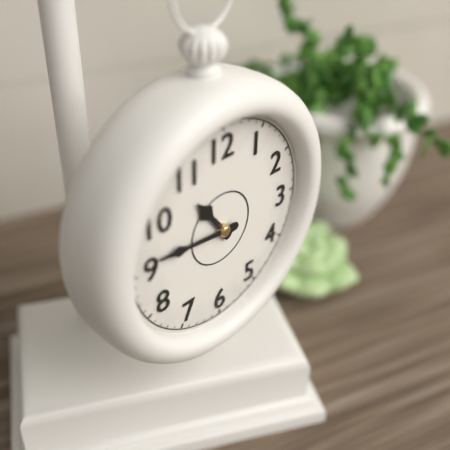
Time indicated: 10,46
